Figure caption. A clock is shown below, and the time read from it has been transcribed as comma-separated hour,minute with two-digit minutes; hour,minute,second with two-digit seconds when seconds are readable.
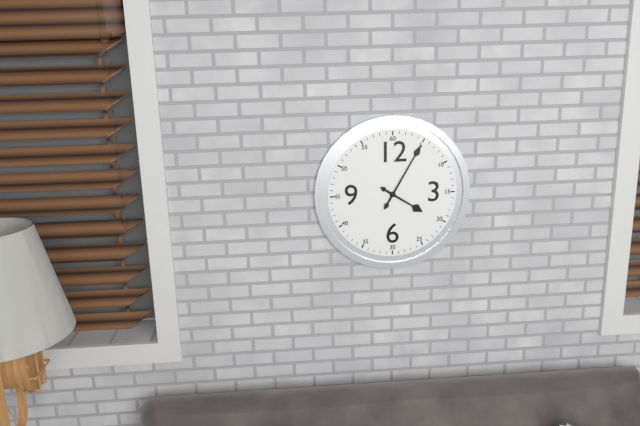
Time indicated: 4,05
